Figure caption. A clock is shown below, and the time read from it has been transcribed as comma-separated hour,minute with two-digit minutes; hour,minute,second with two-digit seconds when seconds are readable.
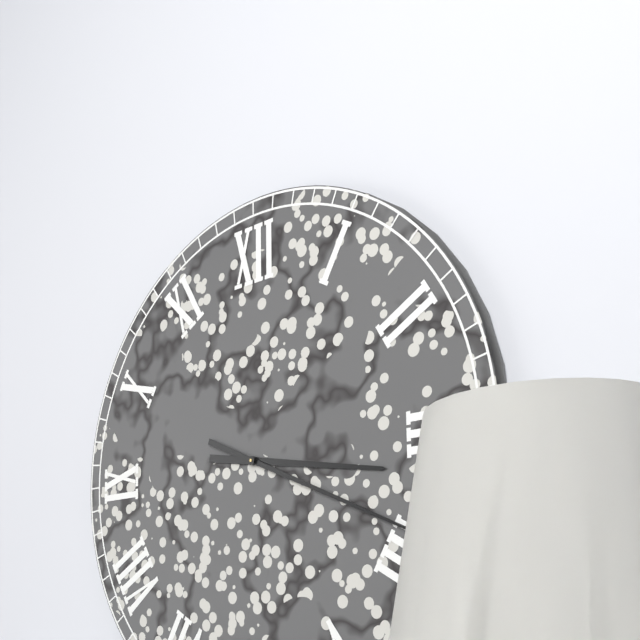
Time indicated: 3,19
